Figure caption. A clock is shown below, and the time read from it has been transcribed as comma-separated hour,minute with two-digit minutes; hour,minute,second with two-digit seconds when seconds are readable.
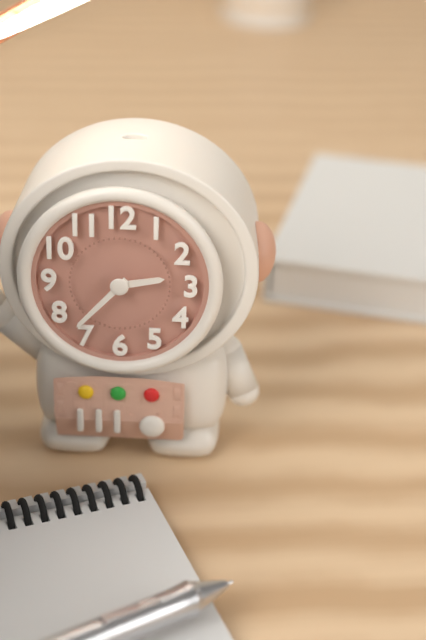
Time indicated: 2,37
